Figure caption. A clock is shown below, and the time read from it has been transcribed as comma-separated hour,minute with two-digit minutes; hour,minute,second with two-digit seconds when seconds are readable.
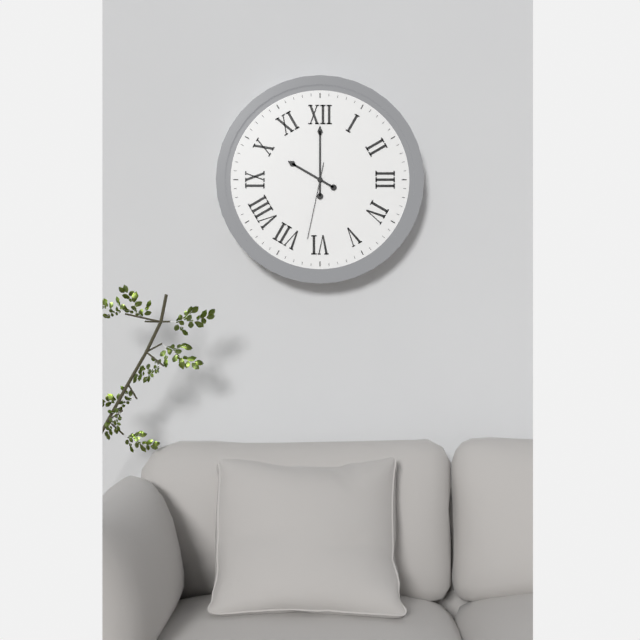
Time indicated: 10,00,32
